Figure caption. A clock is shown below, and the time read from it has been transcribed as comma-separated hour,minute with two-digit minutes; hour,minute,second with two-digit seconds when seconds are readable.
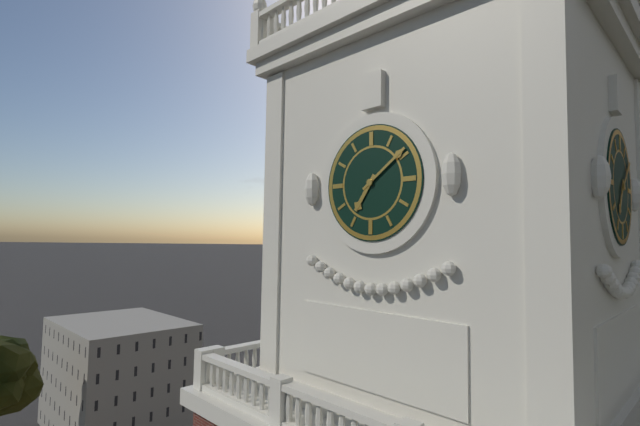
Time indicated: 7,09
